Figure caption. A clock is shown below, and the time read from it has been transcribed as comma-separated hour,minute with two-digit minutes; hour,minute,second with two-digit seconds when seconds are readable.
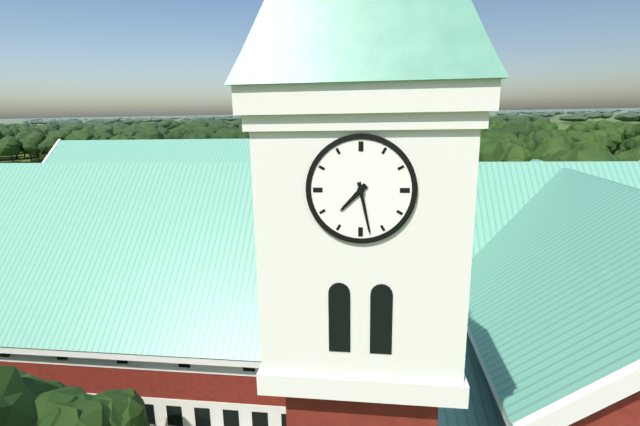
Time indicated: 7,28
